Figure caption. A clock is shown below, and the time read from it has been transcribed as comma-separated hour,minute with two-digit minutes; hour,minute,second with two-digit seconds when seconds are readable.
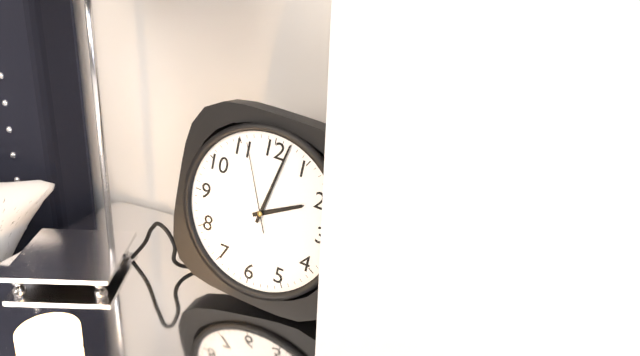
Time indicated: 2,02,56
